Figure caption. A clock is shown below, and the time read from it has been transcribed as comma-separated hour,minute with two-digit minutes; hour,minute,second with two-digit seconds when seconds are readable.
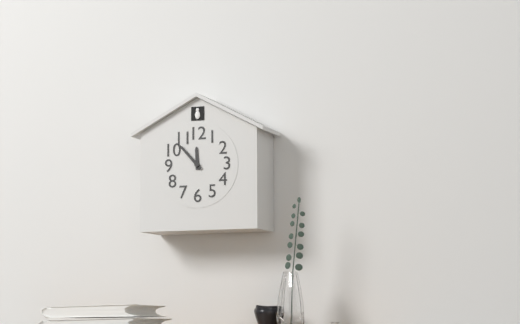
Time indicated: 11,53
